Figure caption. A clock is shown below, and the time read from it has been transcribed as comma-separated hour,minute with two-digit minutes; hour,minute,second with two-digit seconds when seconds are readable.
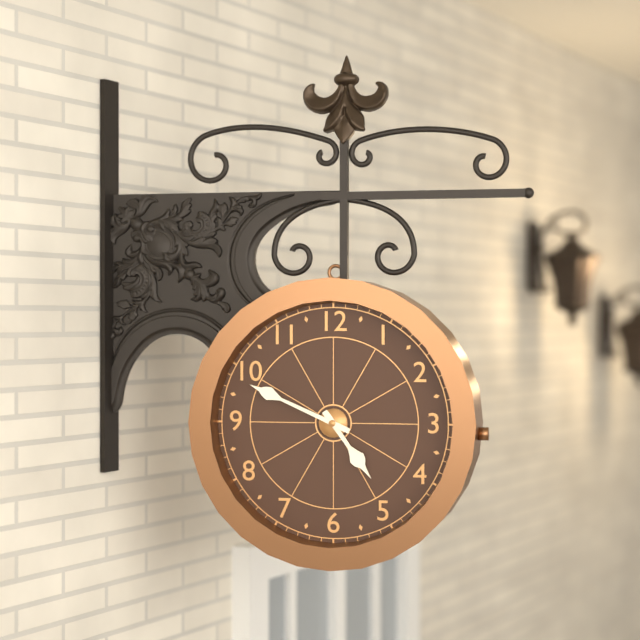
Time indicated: 4,49
